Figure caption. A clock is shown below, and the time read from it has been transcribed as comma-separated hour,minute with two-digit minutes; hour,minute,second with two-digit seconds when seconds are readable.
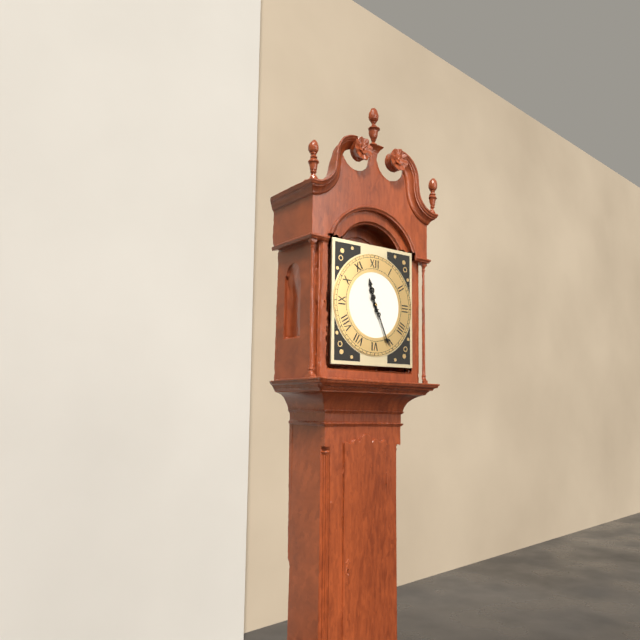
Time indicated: 11,26
